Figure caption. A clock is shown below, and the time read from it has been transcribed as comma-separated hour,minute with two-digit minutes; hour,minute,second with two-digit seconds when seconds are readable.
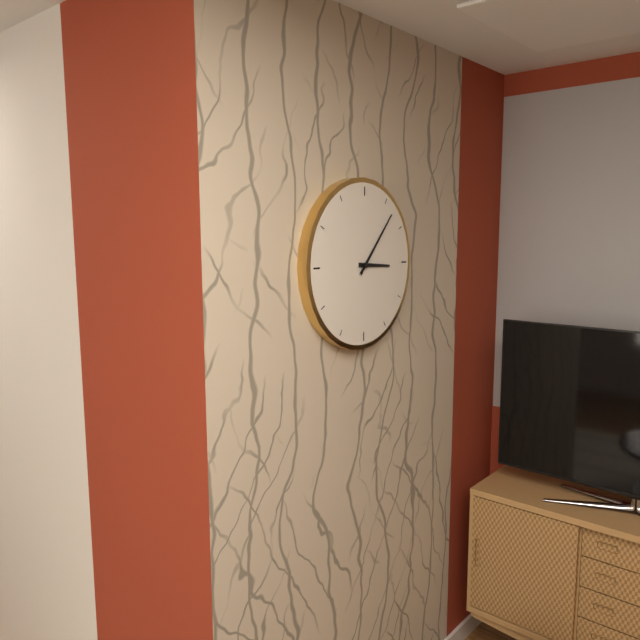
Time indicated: 3,07
